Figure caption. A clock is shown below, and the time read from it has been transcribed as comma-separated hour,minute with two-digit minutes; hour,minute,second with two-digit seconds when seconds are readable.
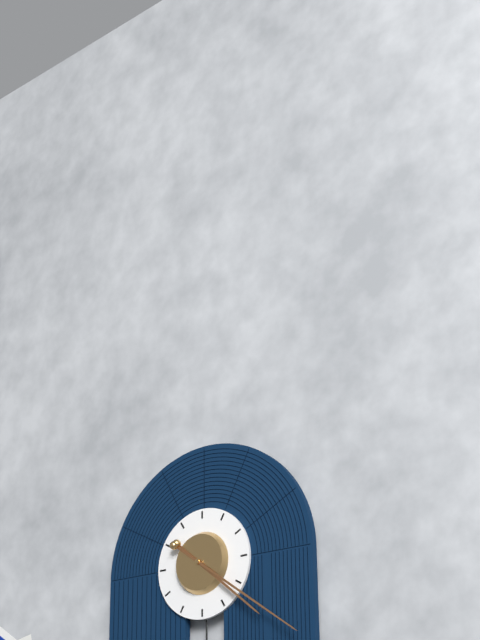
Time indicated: 4,21
